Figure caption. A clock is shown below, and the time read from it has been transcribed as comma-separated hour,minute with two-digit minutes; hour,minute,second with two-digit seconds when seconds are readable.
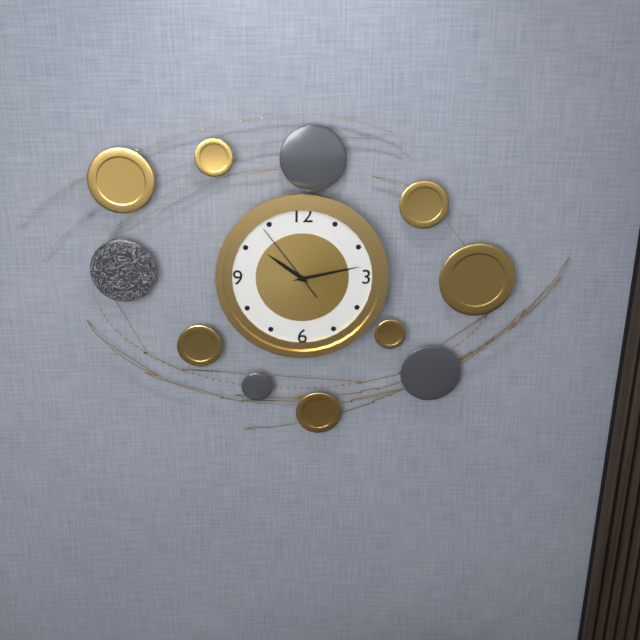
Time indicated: 10,13,54
